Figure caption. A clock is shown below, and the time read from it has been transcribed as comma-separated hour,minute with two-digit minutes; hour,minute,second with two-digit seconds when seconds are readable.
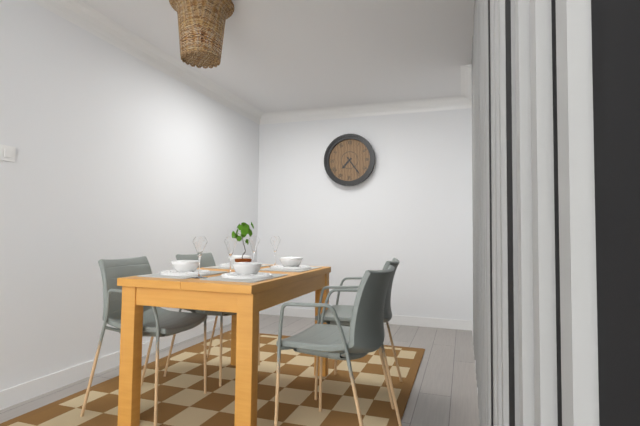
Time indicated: 7,24
